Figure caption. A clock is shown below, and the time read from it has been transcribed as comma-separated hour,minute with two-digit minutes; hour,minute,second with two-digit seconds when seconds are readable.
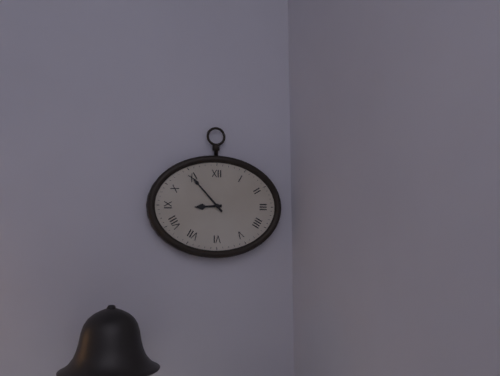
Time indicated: 8,53
